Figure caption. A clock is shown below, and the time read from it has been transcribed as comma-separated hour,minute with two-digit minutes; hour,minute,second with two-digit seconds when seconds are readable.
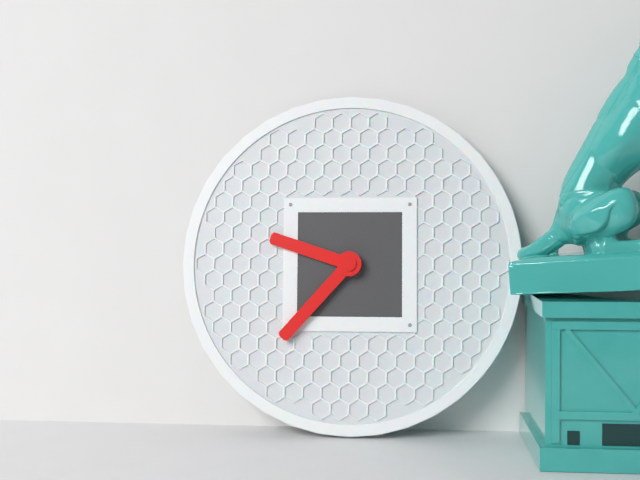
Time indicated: 9,37
